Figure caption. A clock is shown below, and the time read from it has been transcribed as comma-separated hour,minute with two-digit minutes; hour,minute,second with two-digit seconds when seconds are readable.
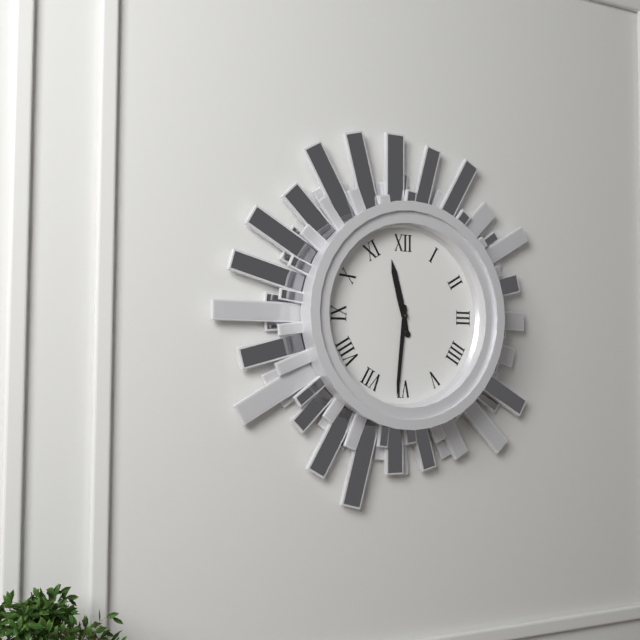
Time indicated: 11,31
